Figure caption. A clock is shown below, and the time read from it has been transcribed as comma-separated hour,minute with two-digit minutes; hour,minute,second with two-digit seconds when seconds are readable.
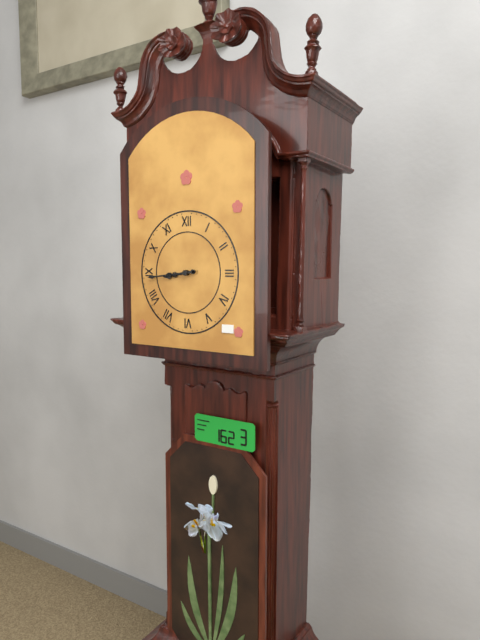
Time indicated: 8,44
